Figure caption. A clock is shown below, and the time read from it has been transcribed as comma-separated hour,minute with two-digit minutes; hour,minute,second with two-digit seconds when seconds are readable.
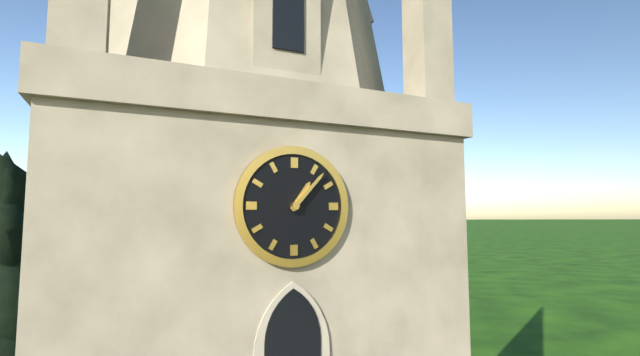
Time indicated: 1,07
